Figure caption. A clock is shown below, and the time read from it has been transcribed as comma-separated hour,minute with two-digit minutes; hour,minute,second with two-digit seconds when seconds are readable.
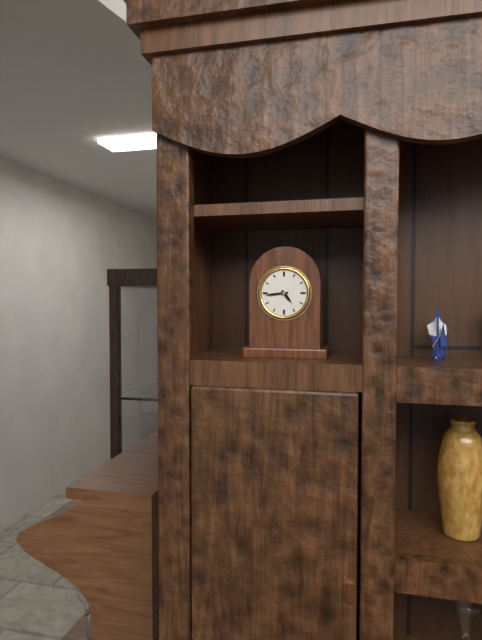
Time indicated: 4,44
